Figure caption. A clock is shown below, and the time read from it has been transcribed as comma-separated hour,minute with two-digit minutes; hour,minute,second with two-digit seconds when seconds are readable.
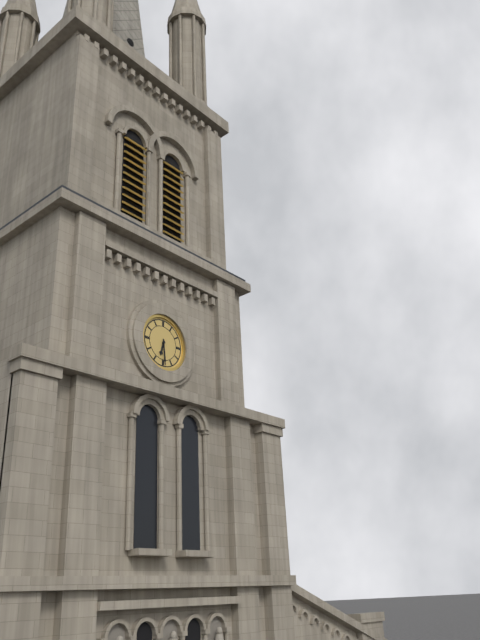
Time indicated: 6,29
